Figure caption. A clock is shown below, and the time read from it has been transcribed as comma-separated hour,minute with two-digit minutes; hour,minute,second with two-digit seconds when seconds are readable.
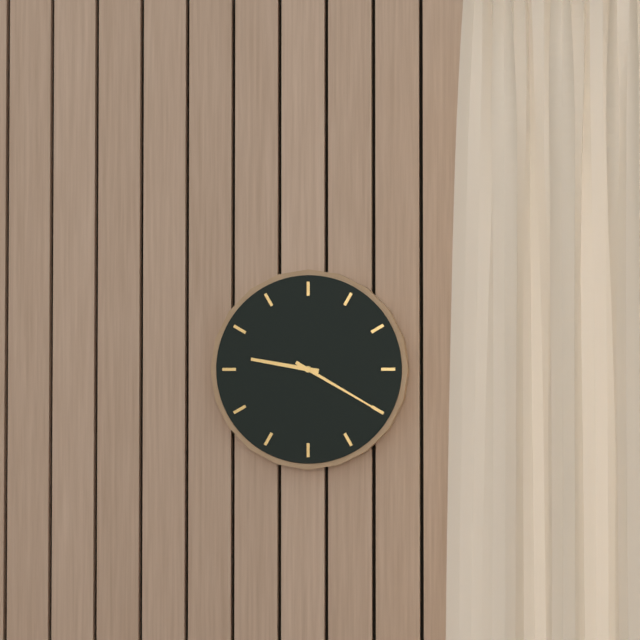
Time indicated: 9,20
